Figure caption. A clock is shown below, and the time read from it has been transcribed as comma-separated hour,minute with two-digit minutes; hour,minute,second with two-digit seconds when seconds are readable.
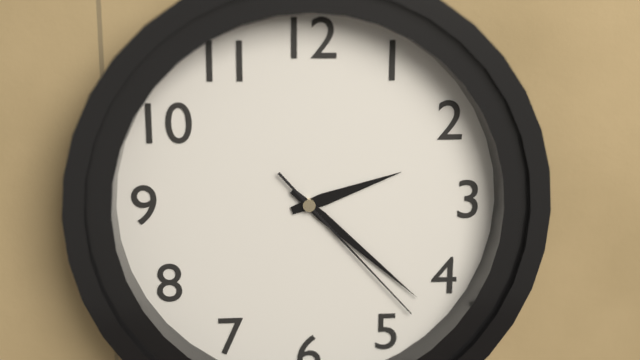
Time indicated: 2,22,23
